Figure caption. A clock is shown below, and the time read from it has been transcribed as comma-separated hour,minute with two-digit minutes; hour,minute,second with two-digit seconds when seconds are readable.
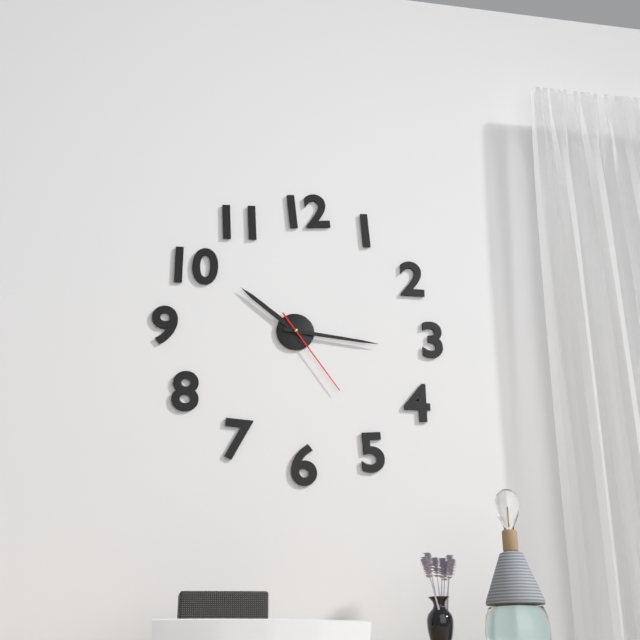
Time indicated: 10,16,24
